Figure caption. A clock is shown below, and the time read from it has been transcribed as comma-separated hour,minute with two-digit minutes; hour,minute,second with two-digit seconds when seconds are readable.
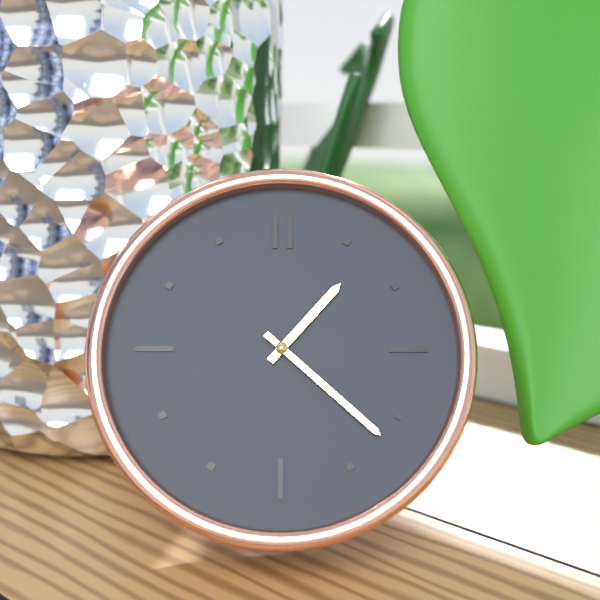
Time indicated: 1,22
